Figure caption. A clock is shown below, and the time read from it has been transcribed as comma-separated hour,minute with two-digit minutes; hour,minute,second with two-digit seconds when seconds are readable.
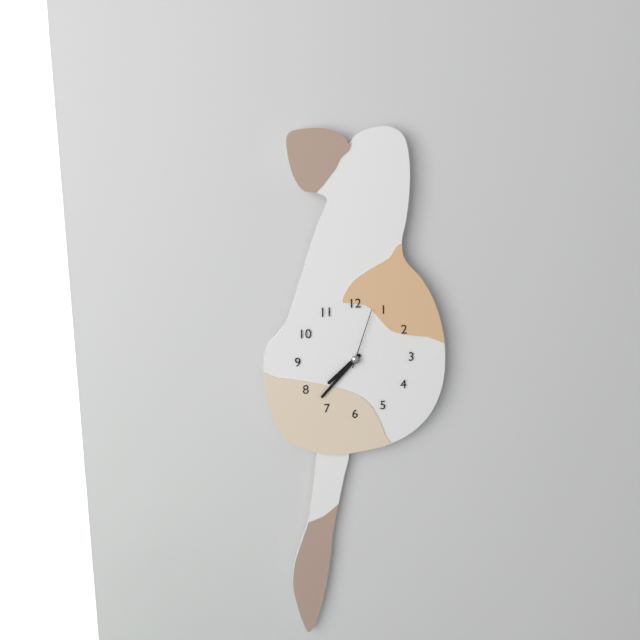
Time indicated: 7,37,03
